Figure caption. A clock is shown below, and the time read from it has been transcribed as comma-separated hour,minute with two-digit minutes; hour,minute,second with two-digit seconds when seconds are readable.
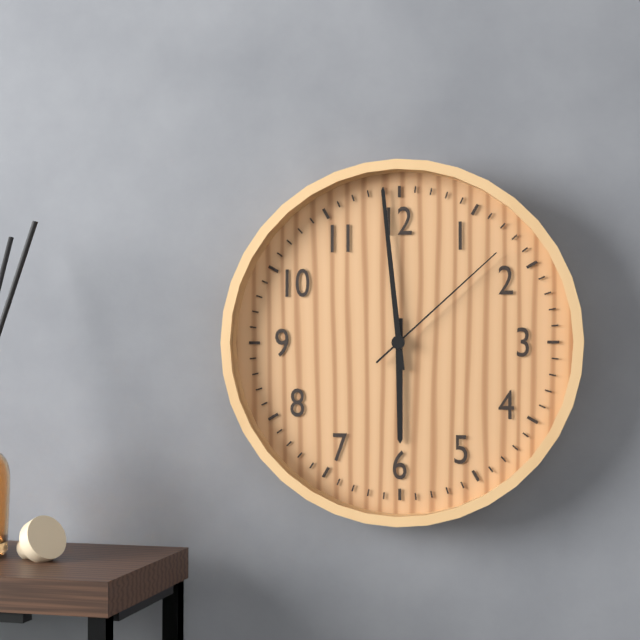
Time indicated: 5,59,08
